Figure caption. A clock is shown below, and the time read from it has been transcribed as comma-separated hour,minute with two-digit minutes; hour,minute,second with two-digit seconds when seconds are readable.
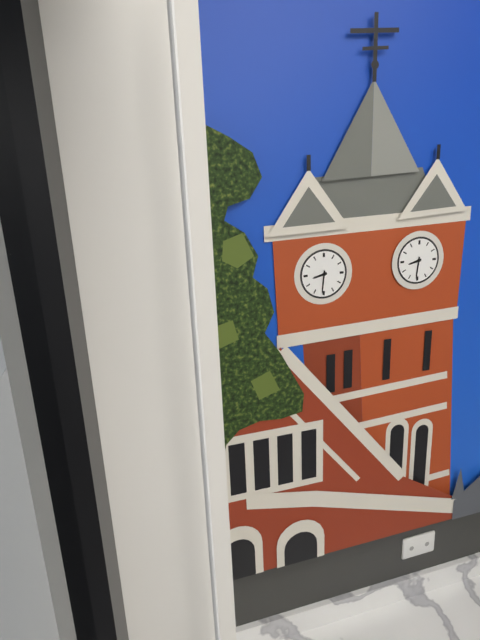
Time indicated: 8,31
